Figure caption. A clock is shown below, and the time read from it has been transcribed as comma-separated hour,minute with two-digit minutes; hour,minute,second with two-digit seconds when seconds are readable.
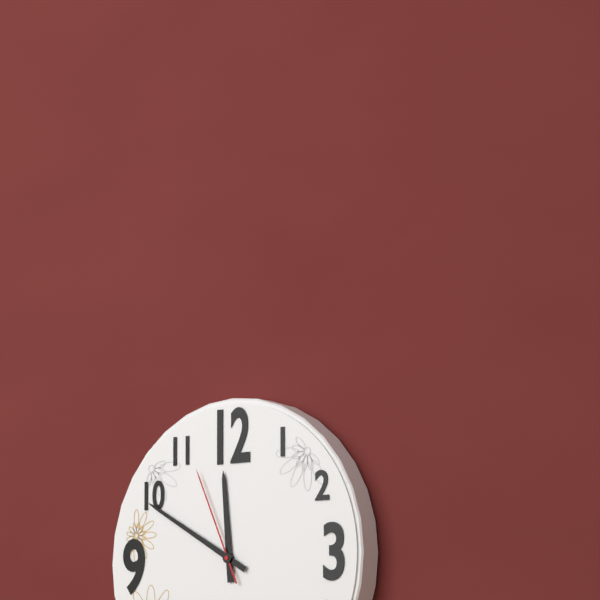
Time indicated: 11,50,56
